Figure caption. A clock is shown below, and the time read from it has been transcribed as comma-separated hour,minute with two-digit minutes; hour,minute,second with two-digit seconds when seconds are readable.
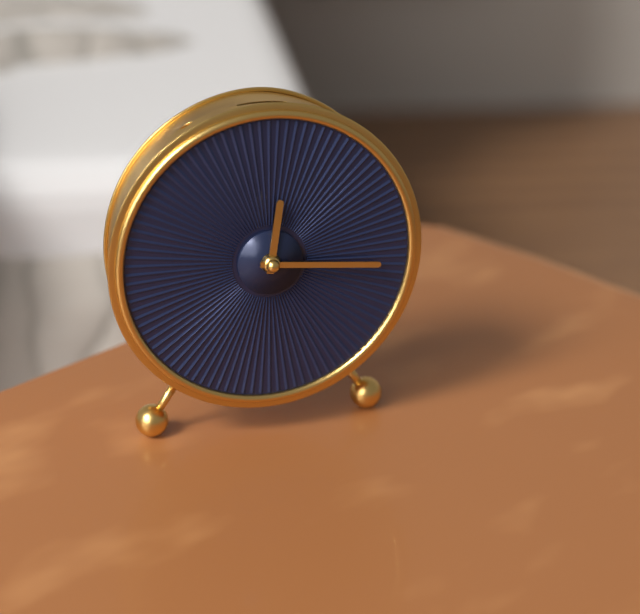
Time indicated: 12,16
